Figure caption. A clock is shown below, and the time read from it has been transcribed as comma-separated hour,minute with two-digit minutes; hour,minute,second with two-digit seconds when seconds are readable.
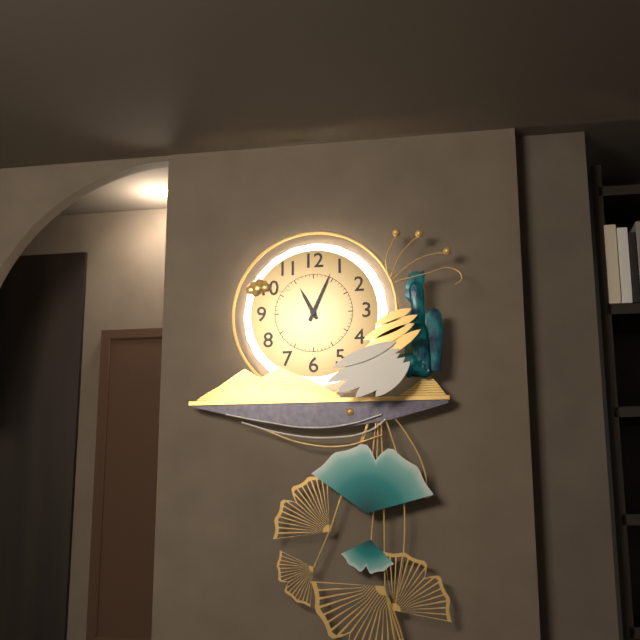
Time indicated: 11,04
